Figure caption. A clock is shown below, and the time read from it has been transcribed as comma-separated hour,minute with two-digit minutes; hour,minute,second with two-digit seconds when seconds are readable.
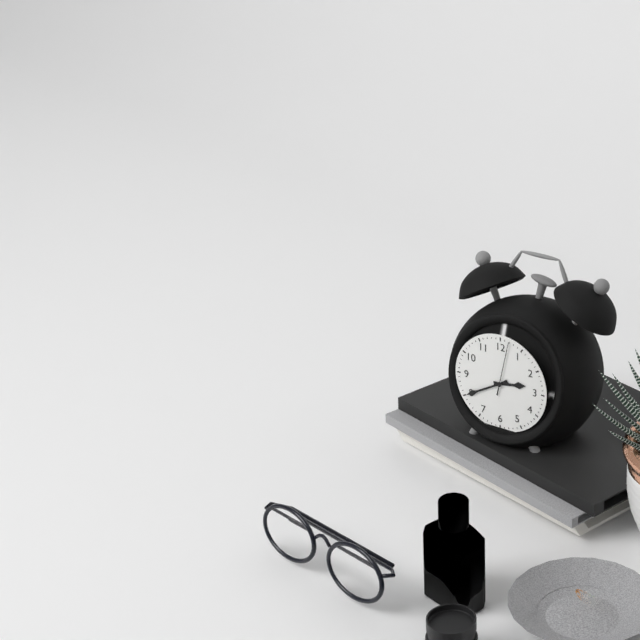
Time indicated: 2,40,02
